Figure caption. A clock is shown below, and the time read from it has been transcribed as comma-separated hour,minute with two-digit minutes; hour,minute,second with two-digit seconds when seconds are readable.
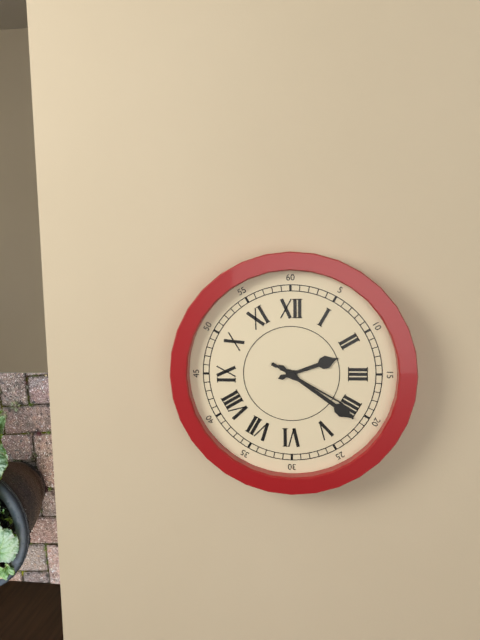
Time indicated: 2,21,20
